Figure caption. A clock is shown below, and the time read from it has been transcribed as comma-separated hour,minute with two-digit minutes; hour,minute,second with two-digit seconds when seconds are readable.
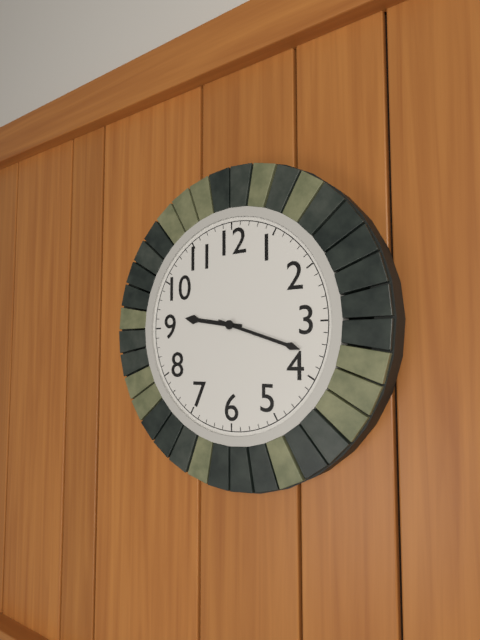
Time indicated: 9,18
